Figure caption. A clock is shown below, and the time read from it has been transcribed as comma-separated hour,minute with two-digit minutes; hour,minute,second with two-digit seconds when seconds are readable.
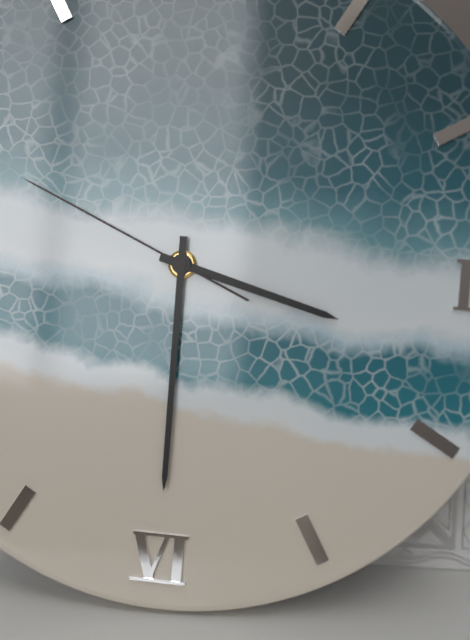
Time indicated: 3,30,49
